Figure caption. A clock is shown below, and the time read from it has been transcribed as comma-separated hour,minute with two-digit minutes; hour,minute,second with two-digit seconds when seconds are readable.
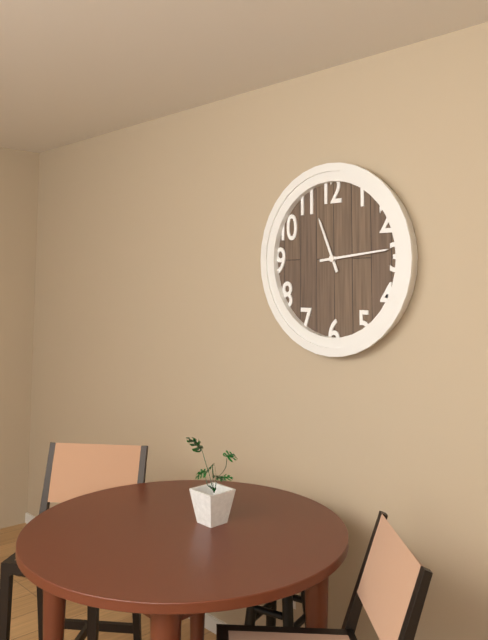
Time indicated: 11,14
